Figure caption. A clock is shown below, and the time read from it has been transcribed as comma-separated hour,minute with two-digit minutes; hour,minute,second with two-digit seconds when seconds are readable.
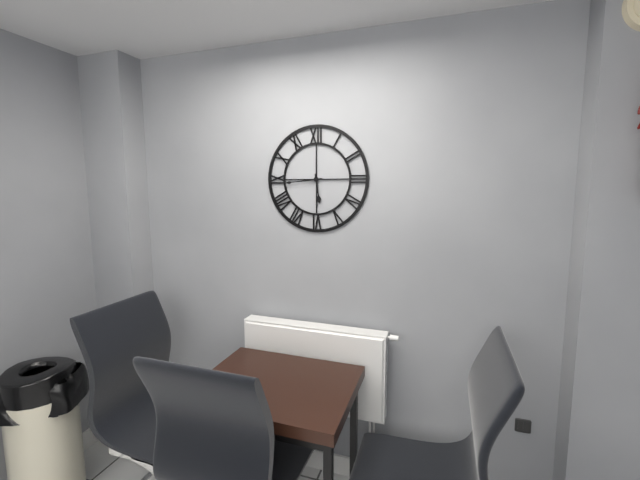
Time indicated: 5,44
